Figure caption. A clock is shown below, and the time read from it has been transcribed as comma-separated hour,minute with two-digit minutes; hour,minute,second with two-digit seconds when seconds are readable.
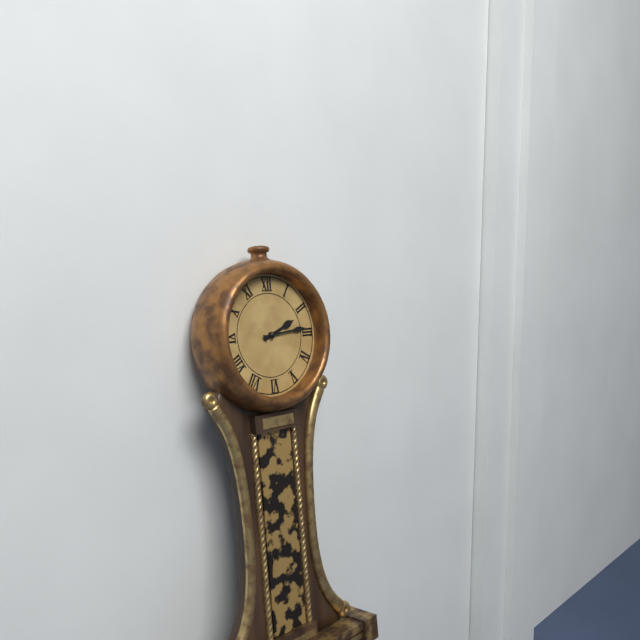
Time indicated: 2,14
